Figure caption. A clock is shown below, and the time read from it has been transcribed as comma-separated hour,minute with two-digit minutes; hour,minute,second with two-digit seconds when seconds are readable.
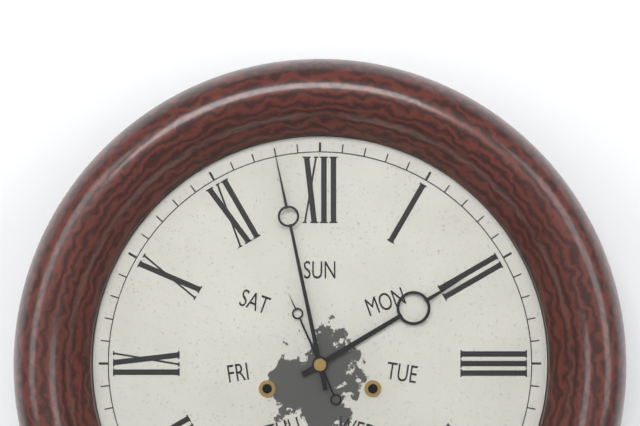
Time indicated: 1,58
